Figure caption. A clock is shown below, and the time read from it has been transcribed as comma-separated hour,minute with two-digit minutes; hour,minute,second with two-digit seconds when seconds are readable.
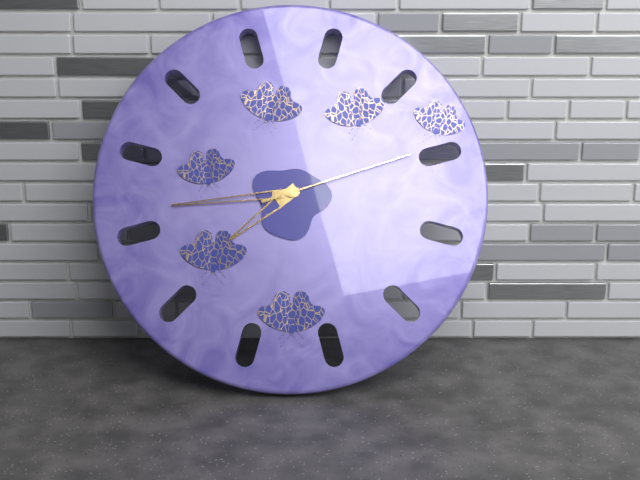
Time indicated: 7,44,12
